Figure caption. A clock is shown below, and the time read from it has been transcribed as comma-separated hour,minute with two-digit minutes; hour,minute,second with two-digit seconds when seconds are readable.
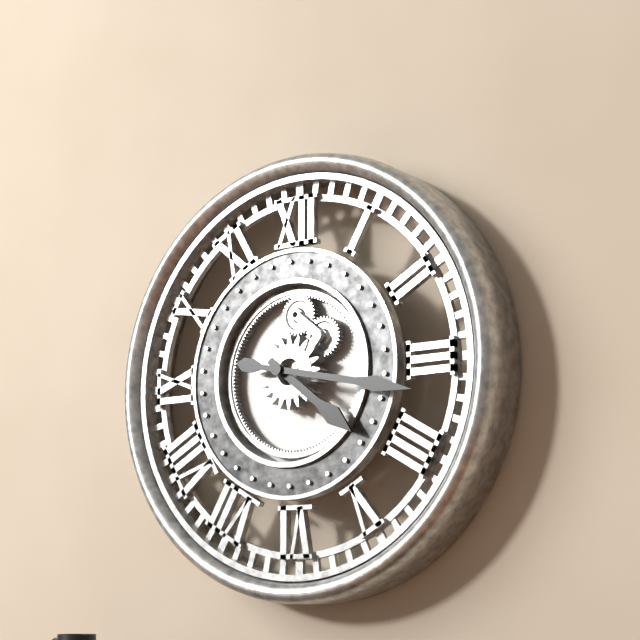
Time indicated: 4,17
